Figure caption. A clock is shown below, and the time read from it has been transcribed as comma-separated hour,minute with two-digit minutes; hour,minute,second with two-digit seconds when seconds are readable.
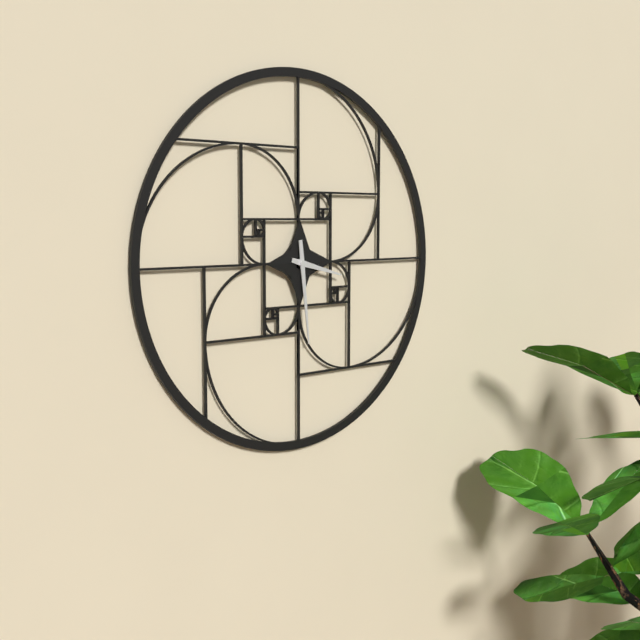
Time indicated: 3,29
